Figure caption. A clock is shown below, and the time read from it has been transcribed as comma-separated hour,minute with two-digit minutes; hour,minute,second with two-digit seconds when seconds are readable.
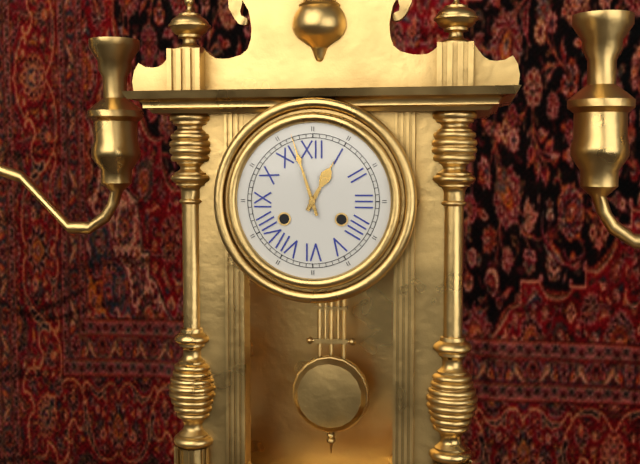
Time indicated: 12,57
